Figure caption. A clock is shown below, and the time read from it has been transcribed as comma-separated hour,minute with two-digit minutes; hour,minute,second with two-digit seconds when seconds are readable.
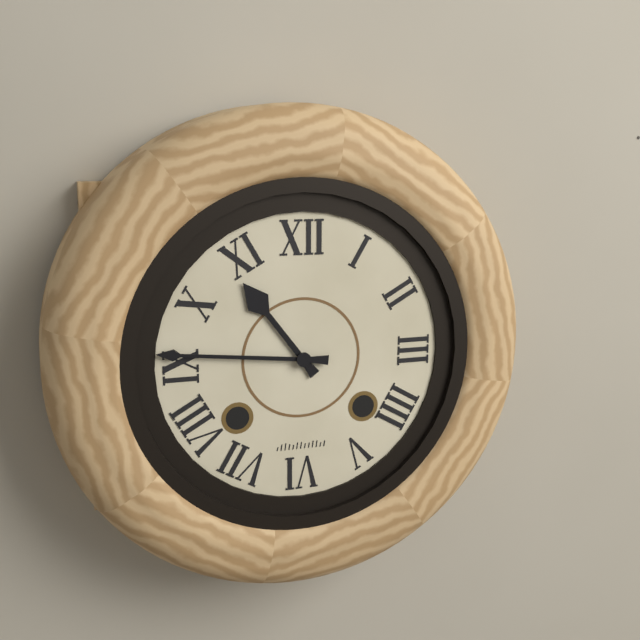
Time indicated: 10,46
